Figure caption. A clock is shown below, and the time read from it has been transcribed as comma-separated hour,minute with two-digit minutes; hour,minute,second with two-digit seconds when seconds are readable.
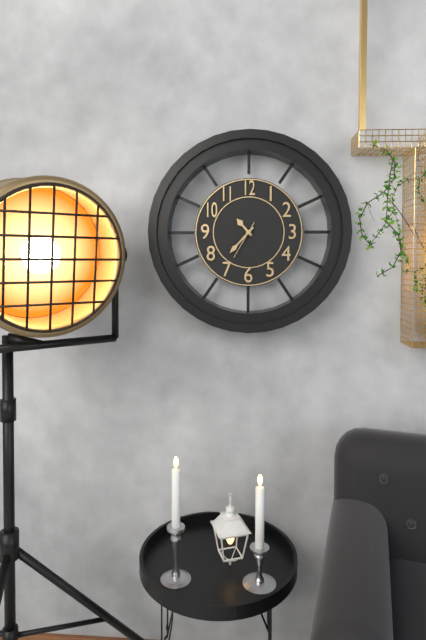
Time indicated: 10,37
